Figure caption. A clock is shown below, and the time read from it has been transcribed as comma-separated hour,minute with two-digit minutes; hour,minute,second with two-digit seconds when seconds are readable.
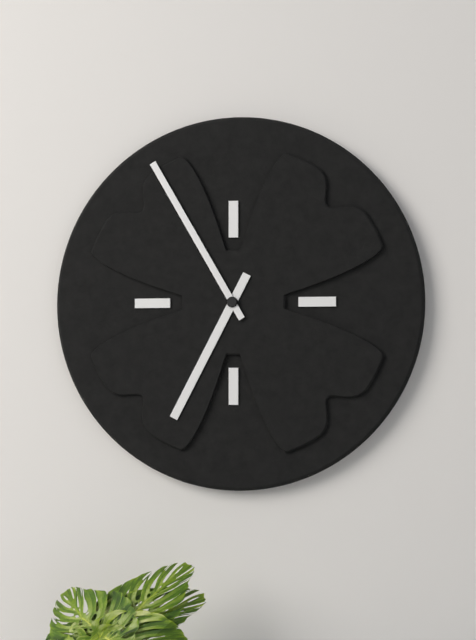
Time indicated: 6,55
